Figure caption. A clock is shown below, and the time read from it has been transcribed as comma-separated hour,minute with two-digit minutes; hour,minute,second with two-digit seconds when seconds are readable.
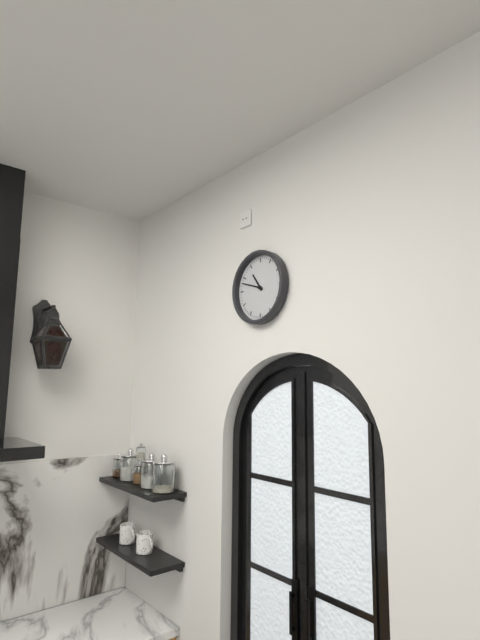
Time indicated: 10,48
